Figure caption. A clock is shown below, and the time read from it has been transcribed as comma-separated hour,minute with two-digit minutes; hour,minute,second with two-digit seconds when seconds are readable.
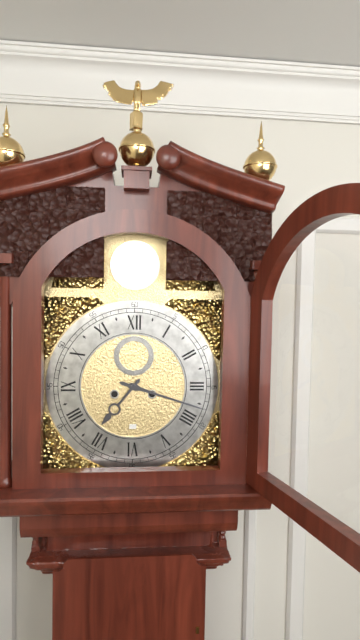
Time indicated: 7,18
